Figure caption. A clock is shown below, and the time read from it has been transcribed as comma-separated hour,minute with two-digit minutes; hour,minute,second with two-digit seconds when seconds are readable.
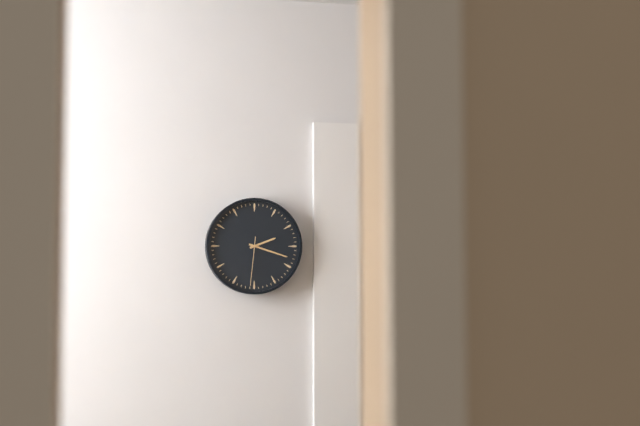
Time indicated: 2,18,31
